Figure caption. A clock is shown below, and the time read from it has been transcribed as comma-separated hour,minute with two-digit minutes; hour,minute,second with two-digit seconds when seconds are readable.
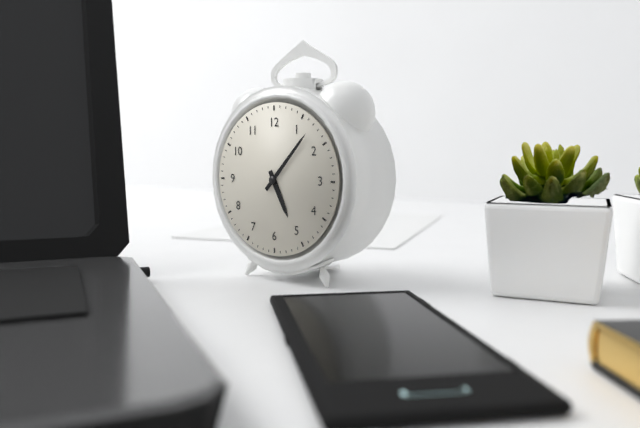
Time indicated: 5,07
